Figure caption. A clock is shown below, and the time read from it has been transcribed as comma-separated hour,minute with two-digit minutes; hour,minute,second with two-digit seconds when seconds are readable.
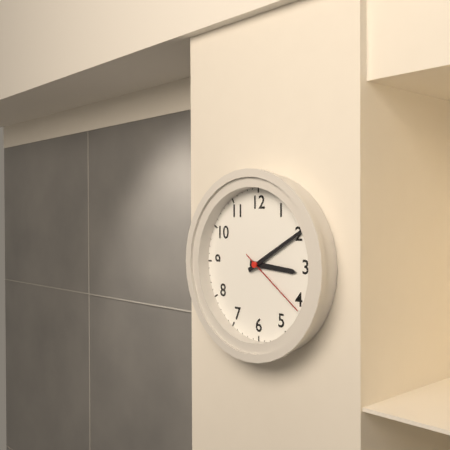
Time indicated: 3,10,21
